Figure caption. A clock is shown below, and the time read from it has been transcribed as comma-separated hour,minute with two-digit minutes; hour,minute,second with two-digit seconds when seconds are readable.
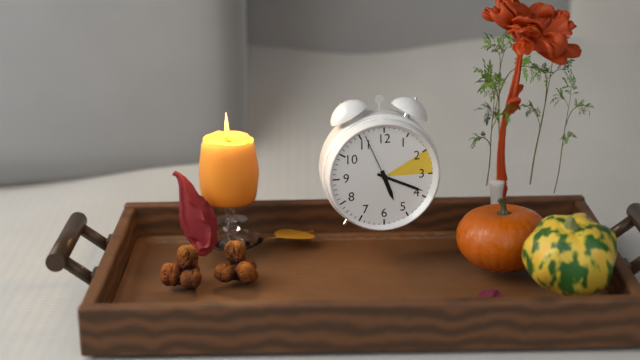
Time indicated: 5,19,56
